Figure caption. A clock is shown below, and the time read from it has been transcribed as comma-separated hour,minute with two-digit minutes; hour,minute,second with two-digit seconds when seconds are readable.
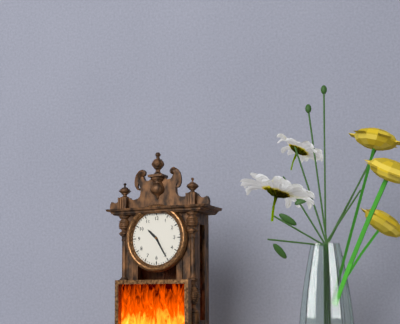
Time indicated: 10,25
